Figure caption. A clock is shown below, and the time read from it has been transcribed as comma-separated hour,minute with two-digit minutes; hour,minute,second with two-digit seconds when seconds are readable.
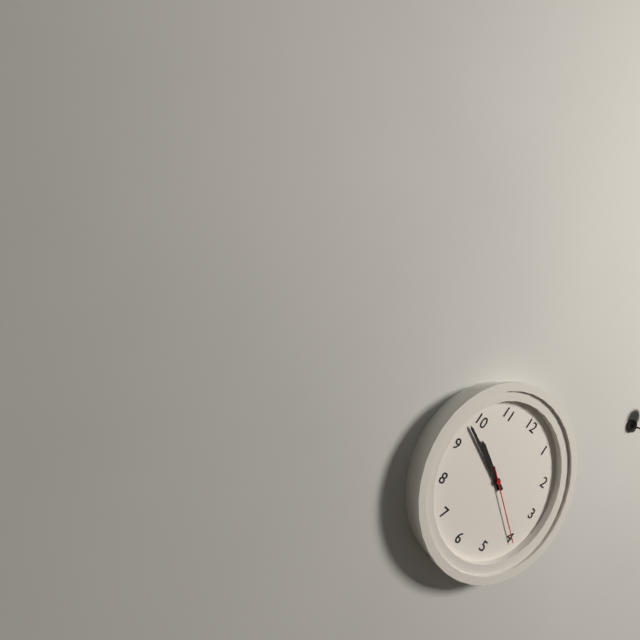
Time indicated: 9,48,20
